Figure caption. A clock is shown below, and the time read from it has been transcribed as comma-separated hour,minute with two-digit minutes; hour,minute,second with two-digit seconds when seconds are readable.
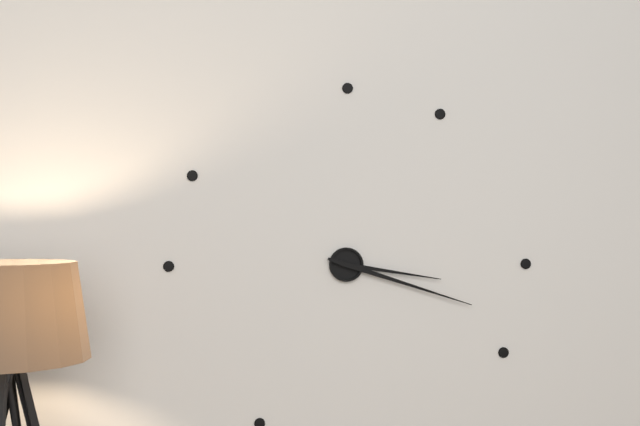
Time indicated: 3,18
